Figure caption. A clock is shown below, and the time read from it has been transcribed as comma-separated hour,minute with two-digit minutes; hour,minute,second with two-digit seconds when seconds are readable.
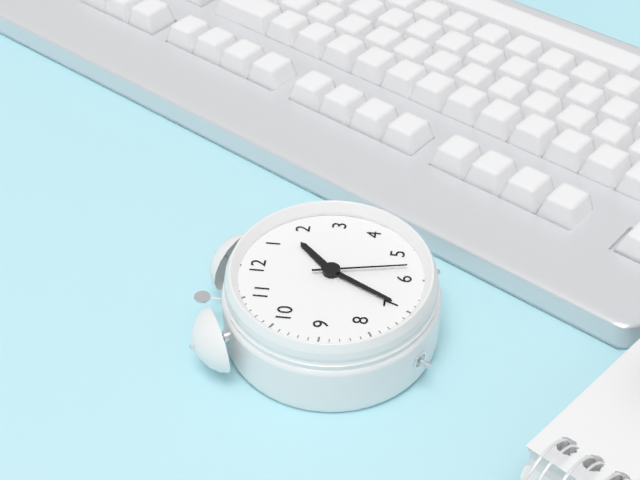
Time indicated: 1,35,28
